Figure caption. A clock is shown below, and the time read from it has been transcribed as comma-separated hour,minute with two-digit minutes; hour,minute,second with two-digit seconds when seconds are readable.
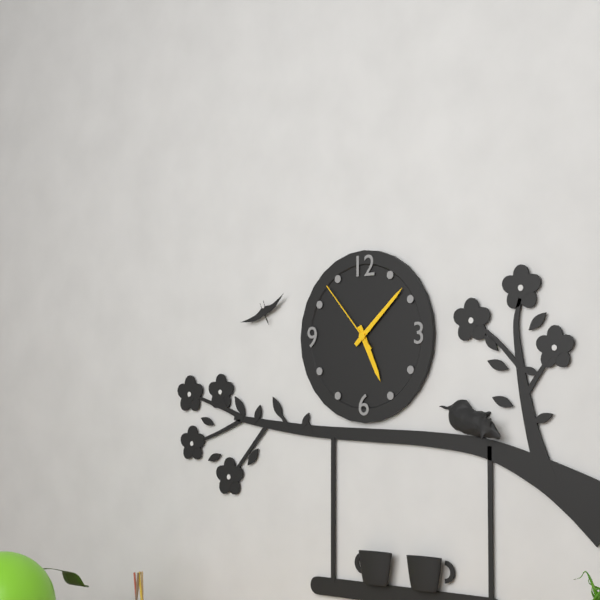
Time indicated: 5,08,53
